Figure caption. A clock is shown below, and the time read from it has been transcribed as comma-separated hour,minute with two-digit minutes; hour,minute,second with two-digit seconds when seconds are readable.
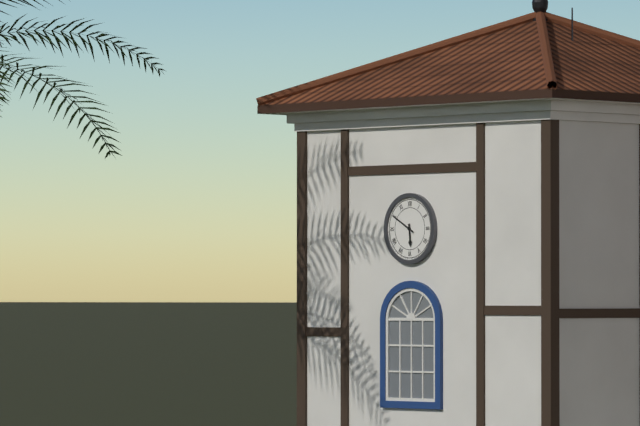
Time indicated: 5,50
